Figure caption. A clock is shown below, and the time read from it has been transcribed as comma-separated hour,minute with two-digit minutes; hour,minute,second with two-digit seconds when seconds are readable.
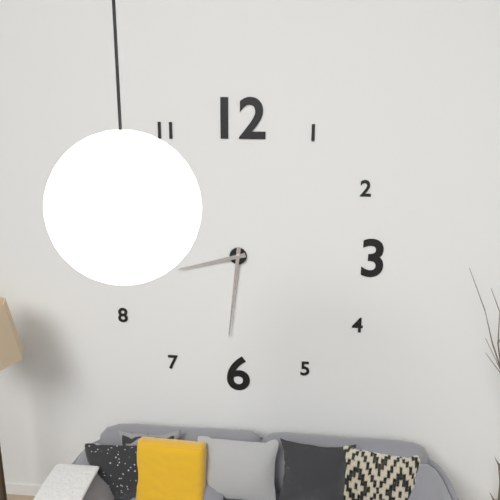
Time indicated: 8,31
